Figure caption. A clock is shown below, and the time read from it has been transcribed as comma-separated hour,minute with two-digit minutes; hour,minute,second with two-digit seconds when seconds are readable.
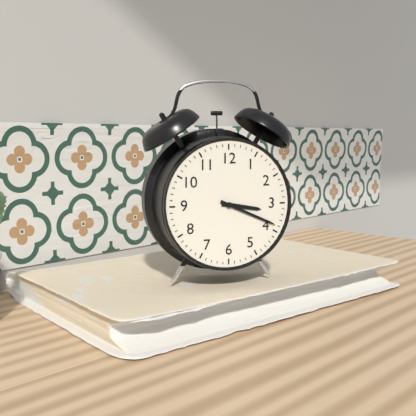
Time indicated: 3,19
